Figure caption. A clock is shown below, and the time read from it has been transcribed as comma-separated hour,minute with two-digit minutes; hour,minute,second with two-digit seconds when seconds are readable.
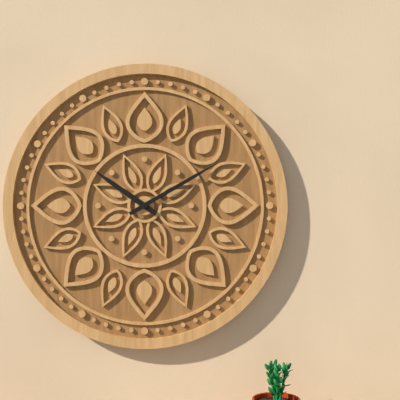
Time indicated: 10,10
